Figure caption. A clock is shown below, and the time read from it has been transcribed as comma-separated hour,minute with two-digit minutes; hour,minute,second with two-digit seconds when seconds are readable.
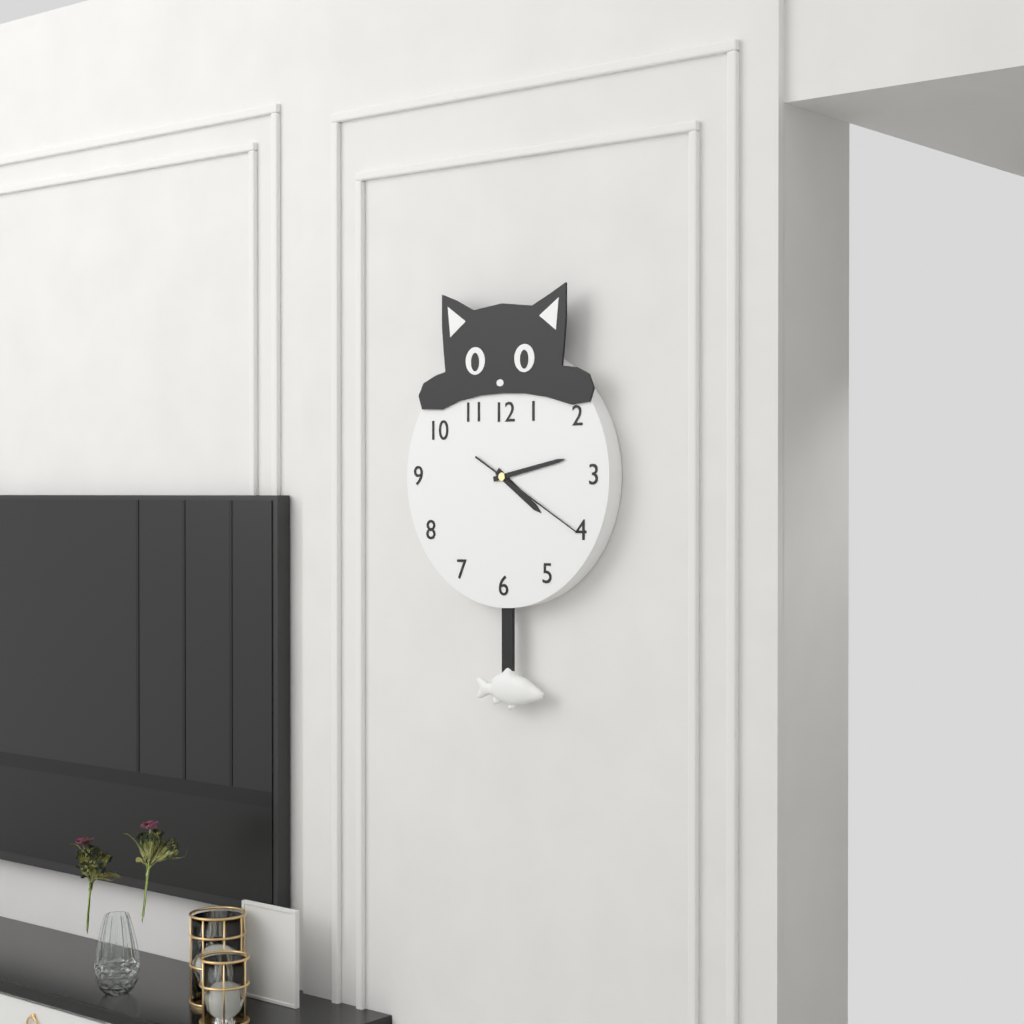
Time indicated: 4,13,20
